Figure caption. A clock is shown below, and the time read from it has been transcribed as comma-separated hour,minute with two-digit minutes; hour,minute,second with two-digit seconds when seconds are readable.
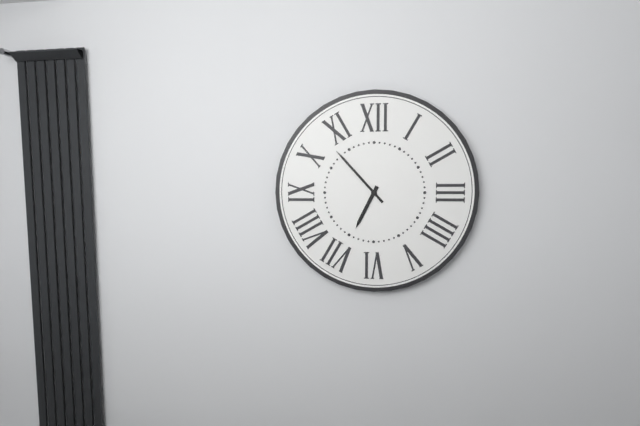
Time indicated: 6,53
